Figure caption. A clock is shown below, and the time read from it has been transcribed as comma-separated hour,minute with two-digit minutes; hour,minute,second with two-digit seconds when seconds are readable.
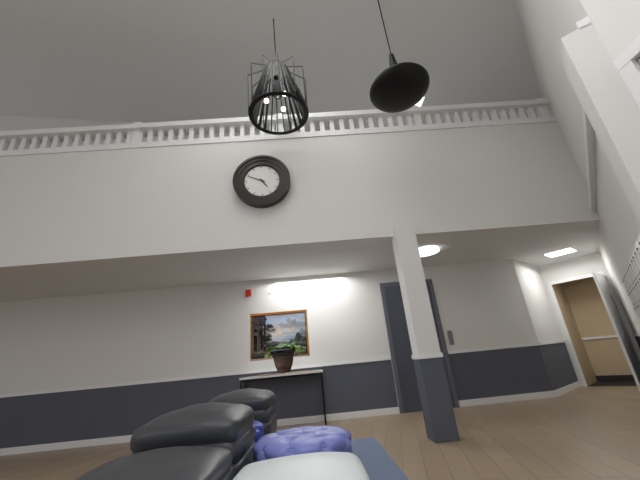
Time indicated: 4,49
